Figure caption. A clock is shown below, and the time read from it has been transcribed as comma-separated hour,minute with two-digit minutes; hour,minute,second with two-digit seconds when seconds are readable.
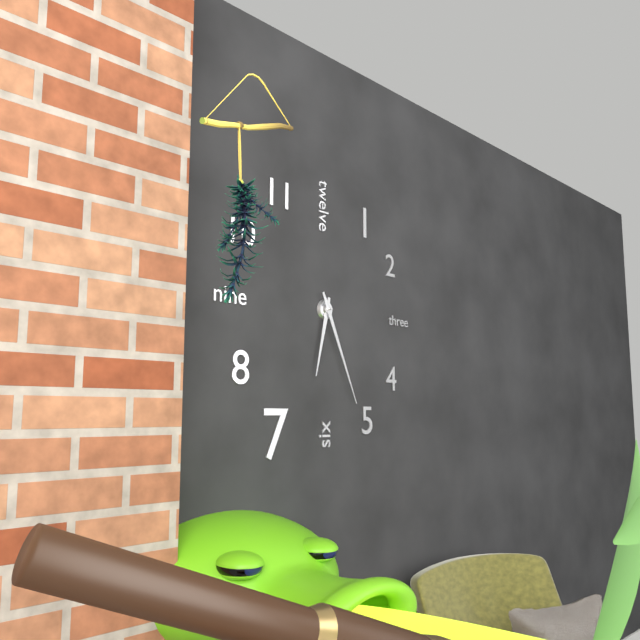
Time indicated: 6,26
